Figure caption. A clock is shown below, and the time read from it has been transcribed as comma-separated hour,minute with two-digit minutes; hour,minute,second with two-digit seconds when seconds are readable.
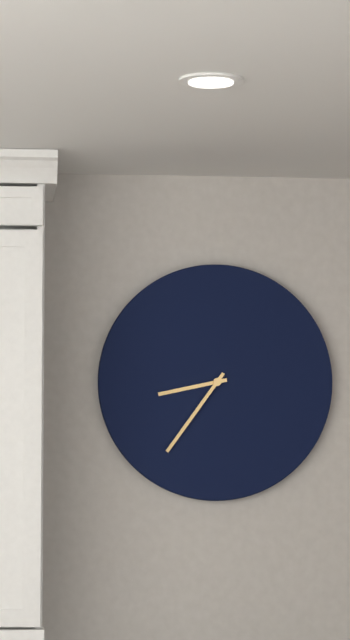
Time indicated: 8,36
